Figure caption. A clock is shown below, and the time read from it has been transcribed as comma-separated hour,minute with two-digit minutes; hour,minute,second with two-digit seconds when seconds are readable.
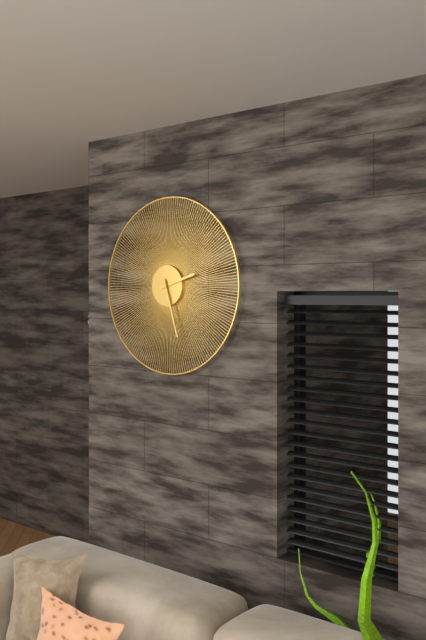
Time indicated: 2,27
